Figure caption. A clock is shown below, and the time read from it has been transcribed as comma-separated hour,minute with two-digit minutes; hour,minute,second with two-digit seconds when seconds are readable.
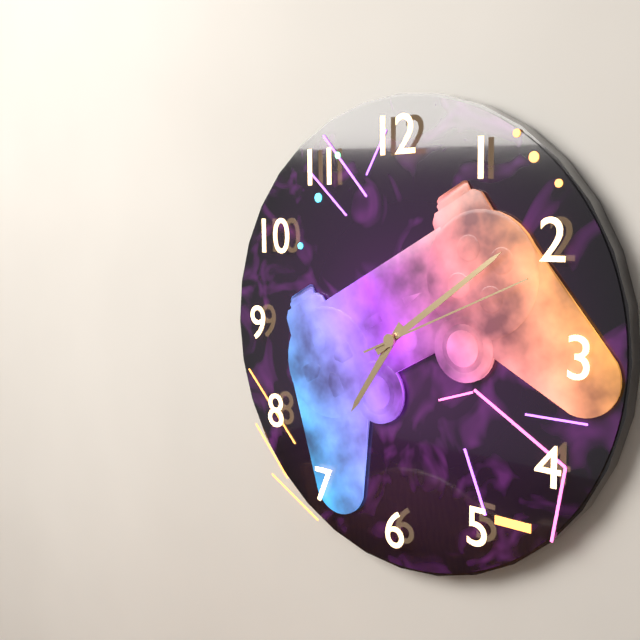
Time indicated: 7,09,11
